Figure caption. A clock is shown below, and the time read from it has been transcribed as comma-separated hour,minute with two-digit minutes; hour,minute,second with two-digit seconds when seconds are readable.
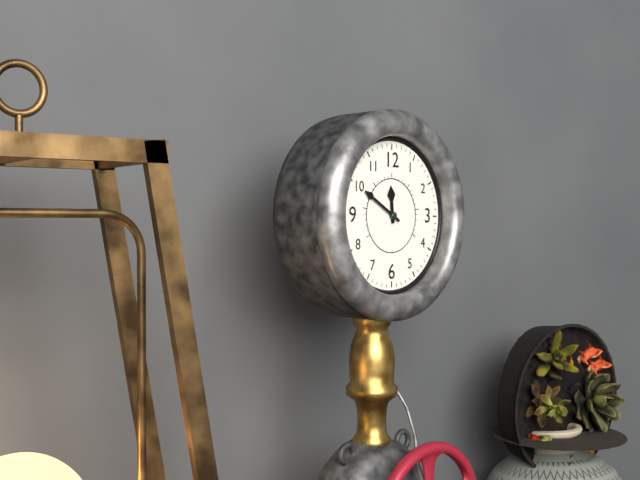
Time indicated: 11,50
